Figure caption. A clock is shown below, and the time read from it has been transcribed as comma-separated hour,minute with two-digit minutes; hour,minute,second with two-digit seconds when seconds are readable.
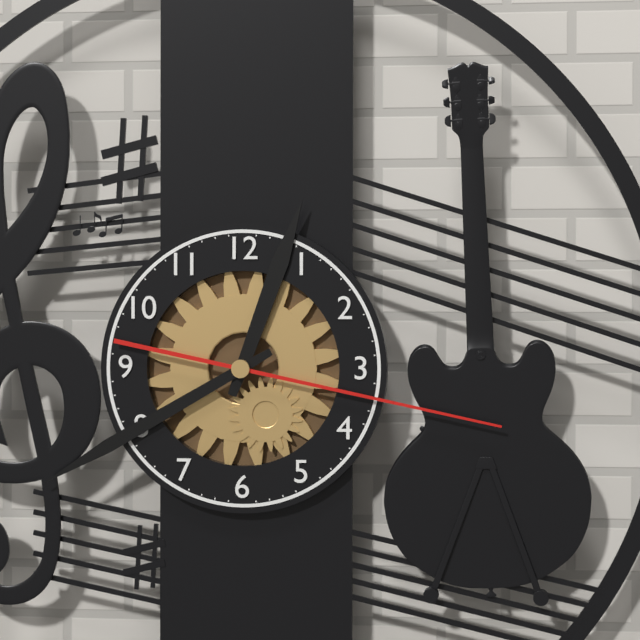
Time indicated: 12,40,17
